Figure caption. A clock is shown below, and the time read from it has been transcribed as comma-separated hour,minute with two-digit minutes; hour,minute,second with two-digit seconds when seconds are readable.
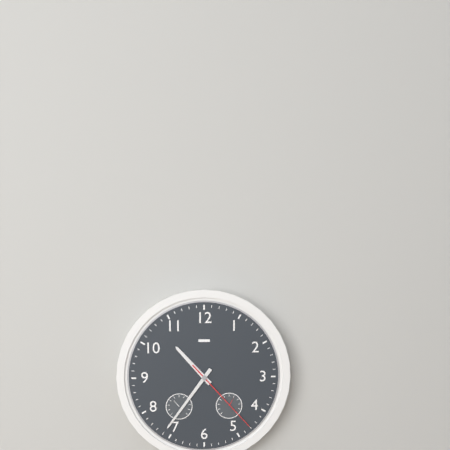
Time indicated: 10,36,23
